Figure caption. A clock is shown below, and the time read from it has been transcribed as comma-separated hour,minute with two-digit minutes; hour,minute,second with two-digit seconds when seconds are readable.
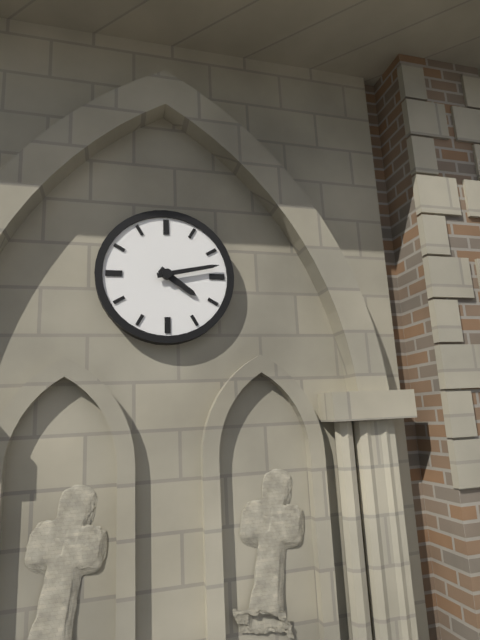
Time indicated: 4,13
